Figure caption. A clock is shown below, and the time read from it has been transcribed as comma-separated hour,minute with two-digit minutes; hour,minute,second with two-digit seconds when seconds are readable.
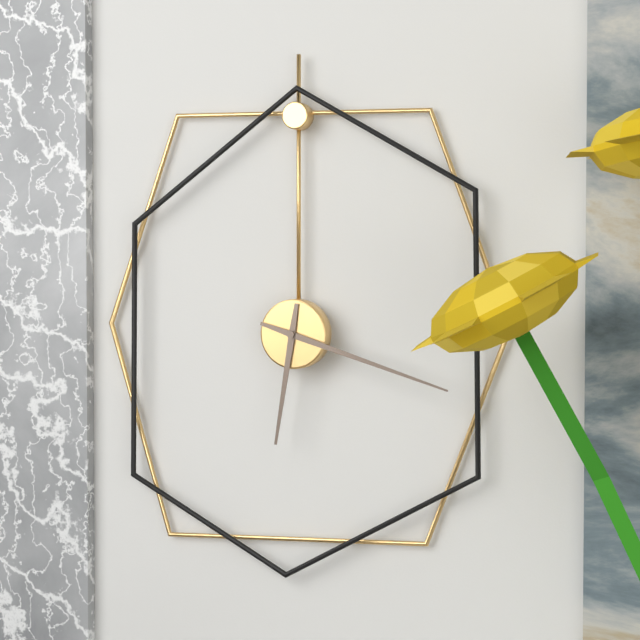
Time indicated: 6,18
